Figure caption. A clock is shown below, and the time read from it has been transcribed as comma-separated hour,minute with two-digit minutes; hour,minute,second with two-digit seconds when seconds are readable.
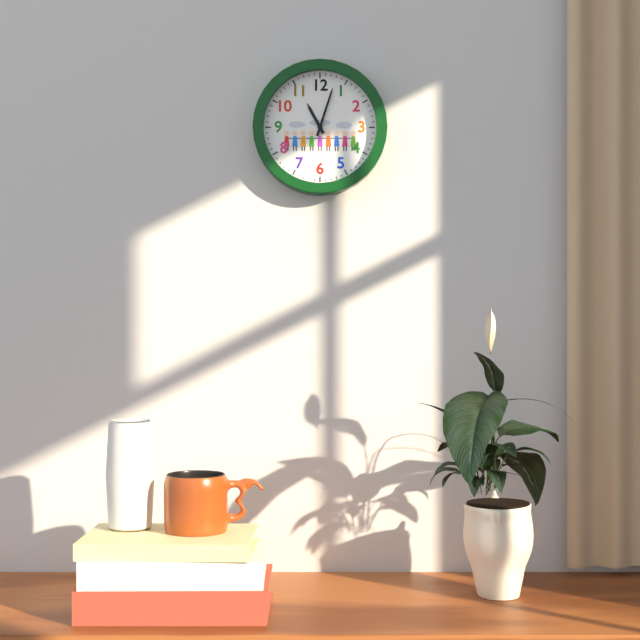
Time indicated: 11,03
